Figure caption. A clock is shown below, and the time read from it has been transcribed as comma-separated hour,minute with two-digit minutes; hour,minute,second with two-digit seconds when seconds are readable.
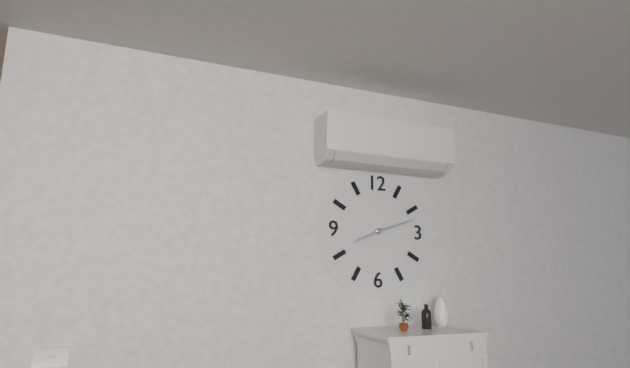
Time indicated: 8,12
